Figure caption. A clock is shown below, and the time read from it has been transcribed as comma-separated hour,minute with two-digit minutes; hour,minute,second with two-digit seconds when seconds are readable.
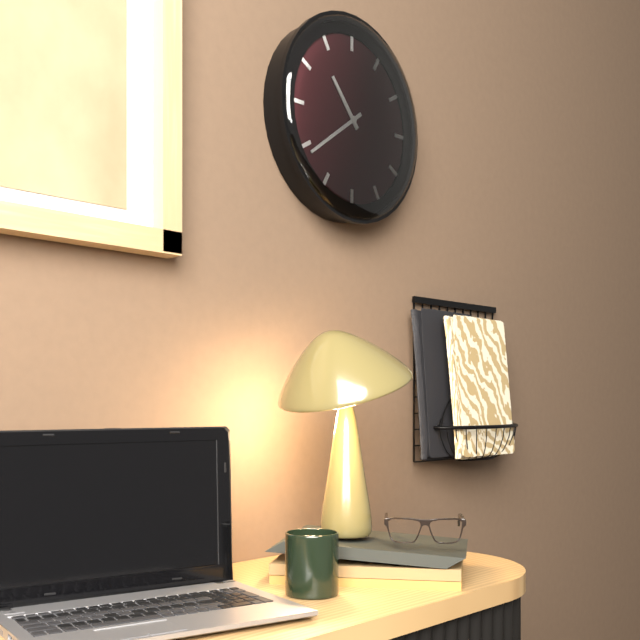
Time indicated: 10,39
